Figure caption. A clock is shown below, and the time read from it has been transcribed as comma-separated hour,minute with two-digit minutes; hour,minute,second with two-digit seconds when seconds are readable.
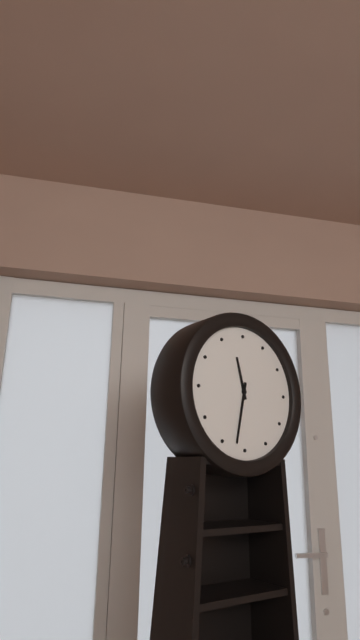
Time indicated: 11,32
